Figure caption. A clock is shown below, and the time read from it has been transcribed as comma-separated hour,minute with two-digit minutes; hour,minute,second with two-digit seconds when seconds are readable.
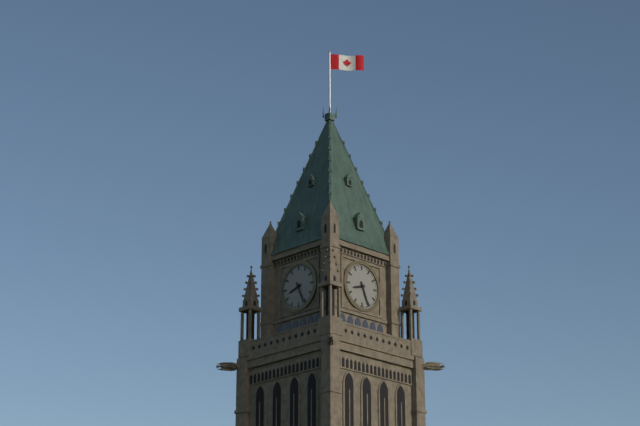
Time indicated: 8,26
